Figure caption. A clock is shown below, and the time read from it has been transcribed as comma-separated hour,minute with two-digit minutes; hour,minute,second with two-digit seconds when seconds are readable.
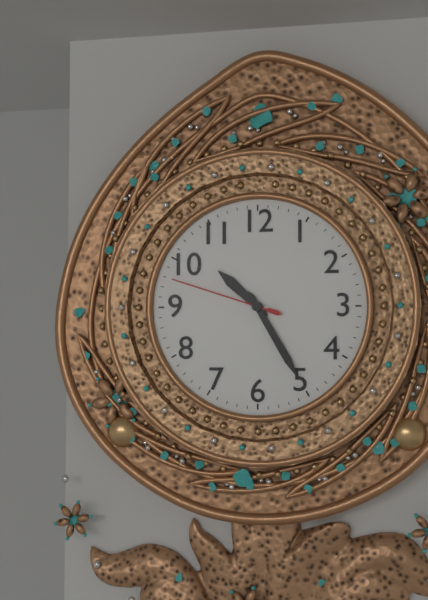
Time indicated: 10,25,48
